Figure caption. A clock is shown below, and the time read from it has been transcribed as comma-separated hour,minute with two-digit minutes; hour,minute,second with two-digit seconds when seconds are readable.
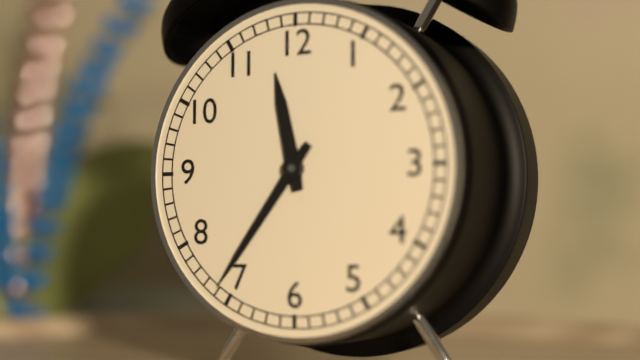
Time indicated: 11,36
